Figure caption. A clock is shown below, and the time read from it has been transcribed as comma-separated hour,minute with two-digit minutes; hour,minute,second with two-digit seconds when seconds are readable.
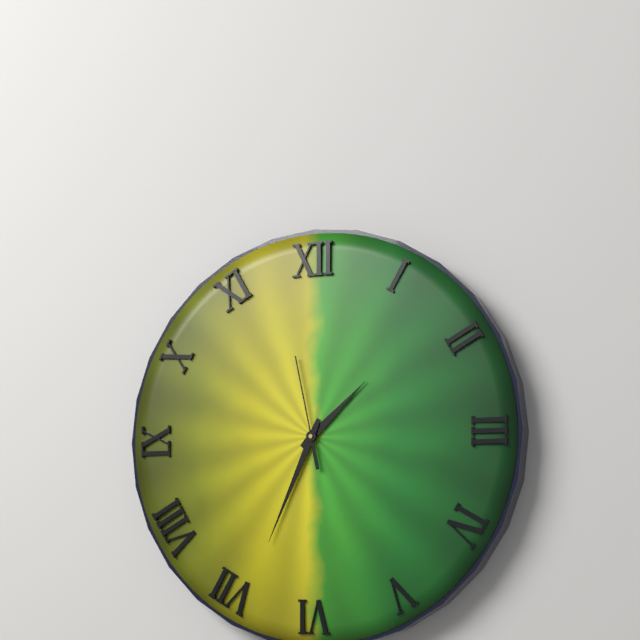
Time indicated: 1,34,58
